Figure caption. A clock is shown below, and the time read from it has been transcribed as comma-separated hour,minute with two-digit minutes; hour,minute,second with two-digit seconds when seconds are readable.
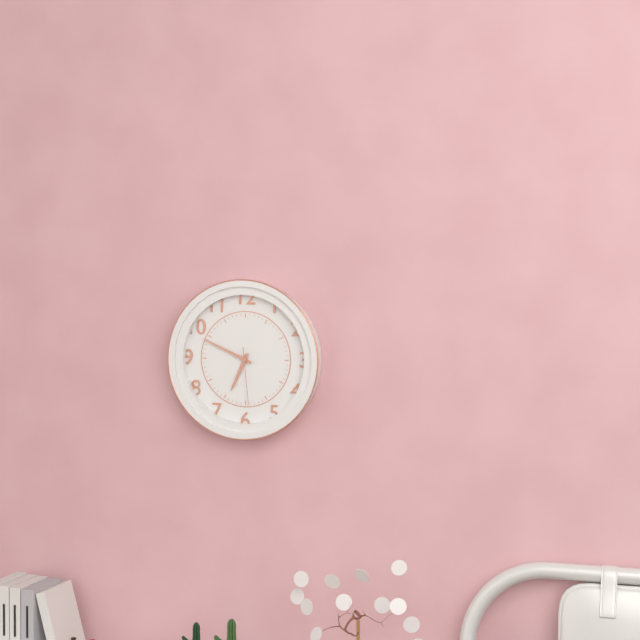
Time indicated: 6,49,29
